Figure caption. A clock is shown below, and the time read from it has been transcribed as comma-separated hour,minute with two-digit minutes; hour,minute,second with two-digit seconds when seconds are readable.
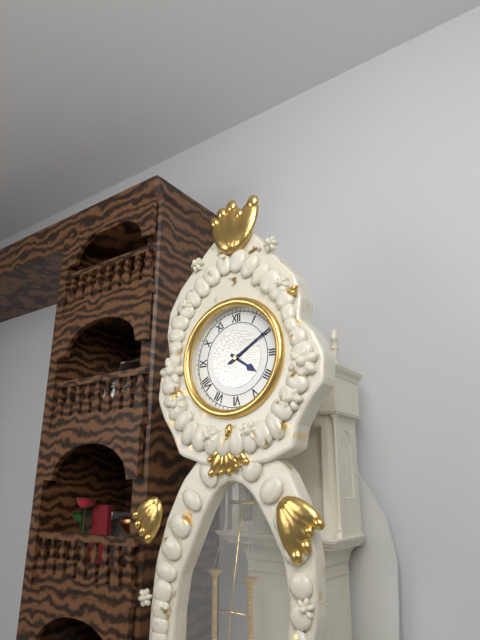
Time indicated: 4,10
